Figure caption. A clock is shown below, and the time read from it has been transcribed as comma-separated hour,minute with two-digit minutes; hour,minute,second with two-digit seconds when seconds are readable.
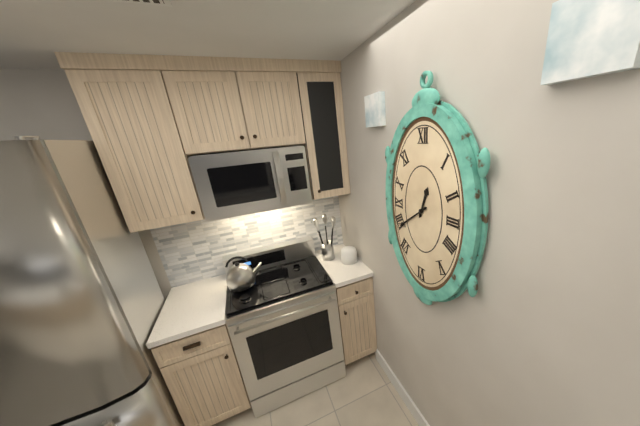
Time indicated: 12,39
